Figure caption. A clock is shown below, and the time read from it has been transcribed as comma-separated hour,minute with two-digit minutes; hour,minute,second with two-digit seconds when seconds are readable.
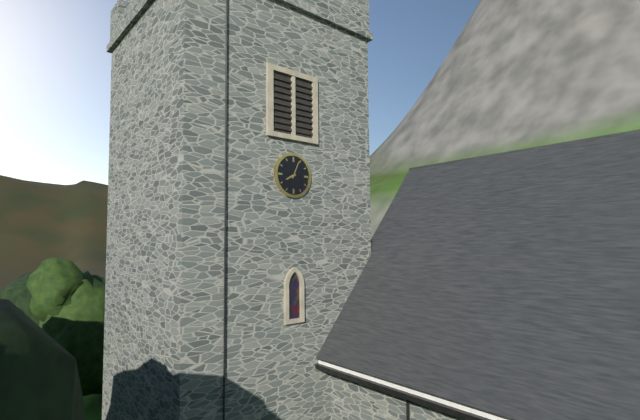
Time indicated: 8,04
